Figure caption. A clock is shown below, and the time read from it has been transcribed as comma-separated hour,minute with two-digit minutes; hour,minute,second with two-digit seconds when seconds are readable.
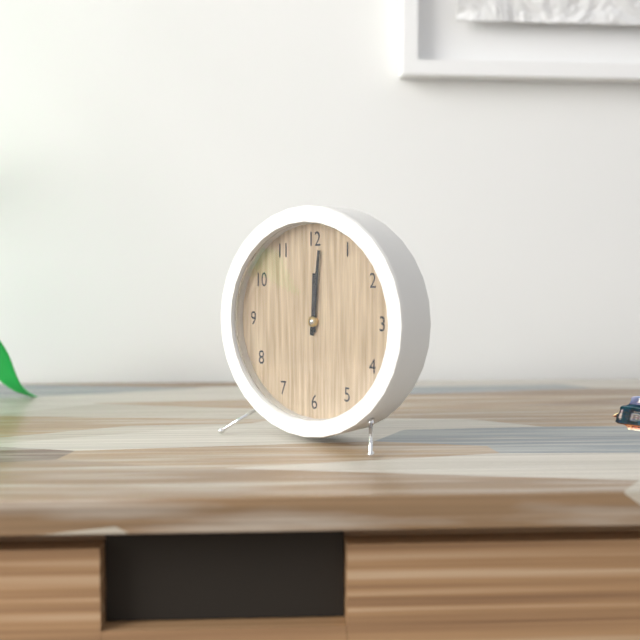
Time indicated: 12,01
